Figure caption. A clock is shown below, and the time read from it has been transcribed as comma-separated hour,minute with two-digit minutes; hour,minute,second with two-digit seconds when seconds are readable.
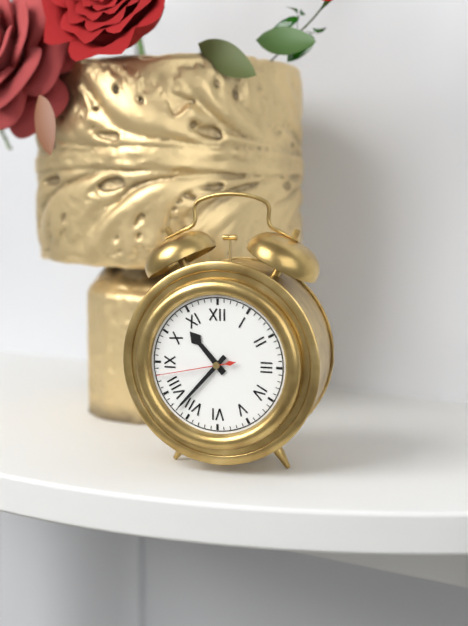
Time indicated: 10,37,43
